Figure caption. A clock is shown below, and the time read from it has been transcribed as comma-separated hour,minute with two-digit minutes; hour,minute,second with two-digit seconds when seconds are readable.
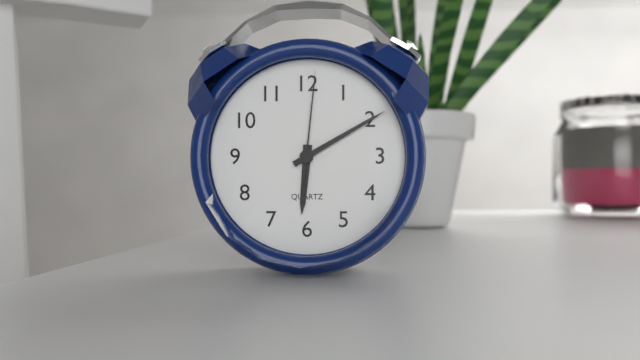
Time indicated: 6,10,01
